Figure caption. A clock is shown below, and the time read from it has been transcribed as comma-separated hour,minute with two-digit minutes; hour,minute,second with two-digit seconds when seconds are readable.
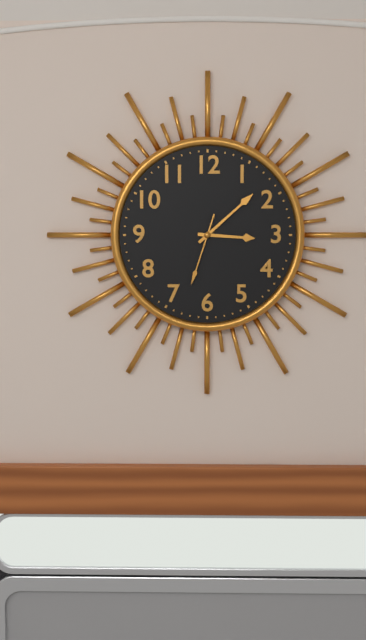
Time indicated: 3,08,33
